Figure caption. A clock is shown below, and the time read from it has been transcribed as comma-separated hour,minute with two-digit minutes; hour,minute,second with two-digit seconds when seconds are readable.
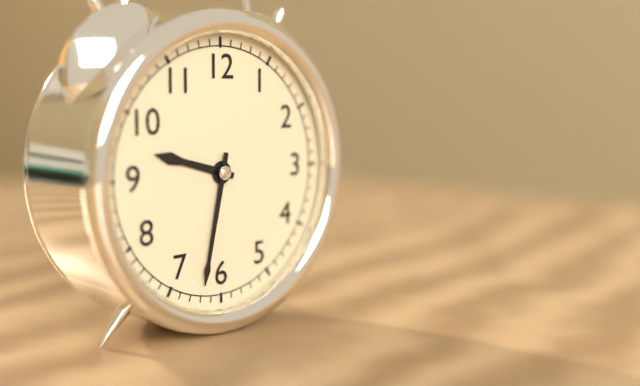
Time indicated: 9,32
